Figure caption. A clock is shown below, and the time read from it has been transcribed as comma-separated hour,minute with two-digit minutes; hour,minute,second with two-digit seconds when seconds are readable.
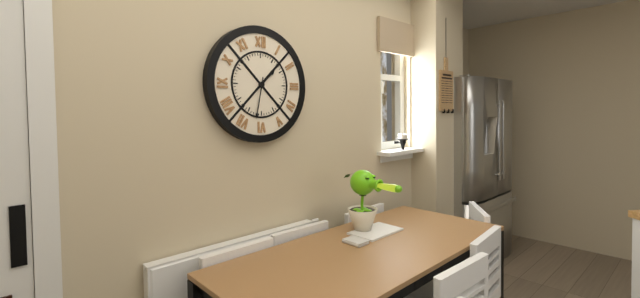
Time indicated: 1,32
